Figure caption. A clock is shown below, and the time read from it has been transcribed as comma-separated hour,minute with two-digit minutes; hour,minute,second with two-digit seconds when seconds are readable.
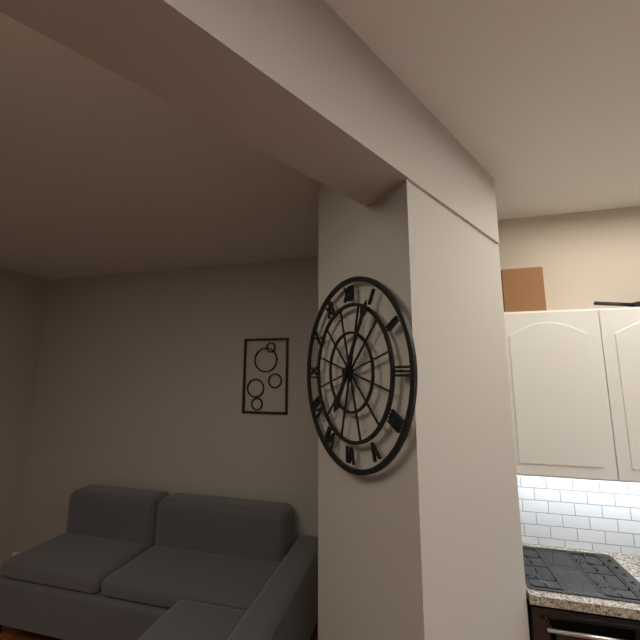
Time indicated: 7,05
